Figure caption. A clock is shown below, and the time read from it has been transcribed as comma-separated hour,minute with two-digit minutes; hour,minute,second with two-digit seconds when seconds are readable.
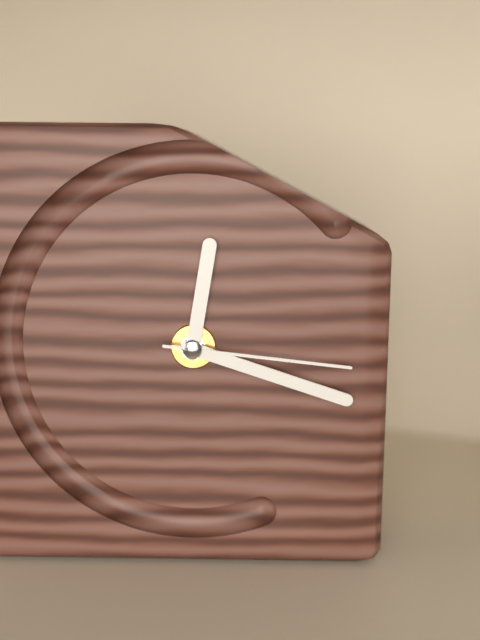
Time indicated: 12,18,16
